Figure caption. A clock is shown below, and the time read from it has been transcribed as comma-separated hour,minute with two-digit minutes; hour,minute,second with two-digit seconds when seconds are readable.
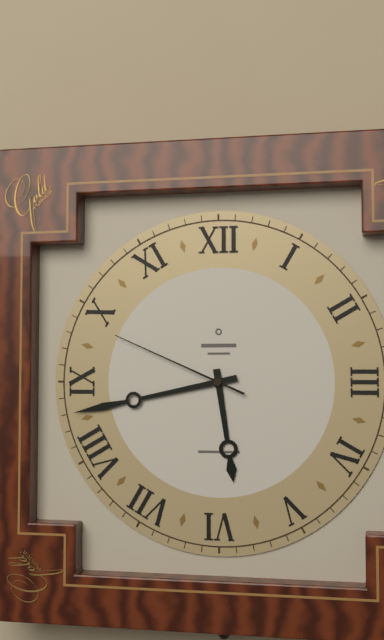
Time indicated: 5,43,49
